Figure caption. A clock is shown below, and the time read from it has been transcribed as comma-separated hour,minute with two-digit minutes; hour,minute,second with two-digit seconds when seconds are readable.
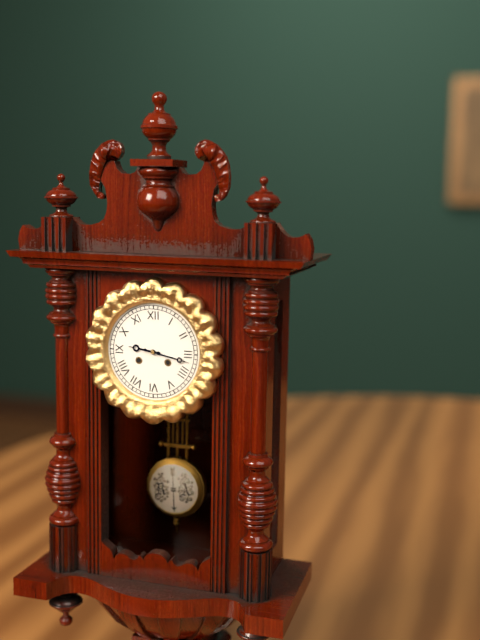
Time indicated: 9,17
